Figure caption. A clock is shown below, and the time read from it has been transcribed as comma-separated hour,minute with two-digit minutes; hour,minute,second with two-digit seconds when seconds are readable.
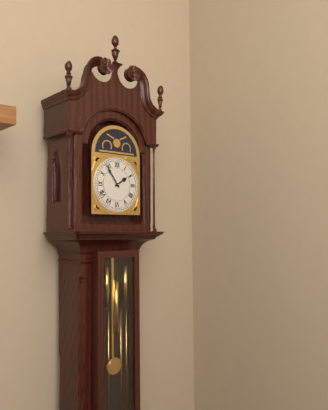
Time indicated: 1,54
